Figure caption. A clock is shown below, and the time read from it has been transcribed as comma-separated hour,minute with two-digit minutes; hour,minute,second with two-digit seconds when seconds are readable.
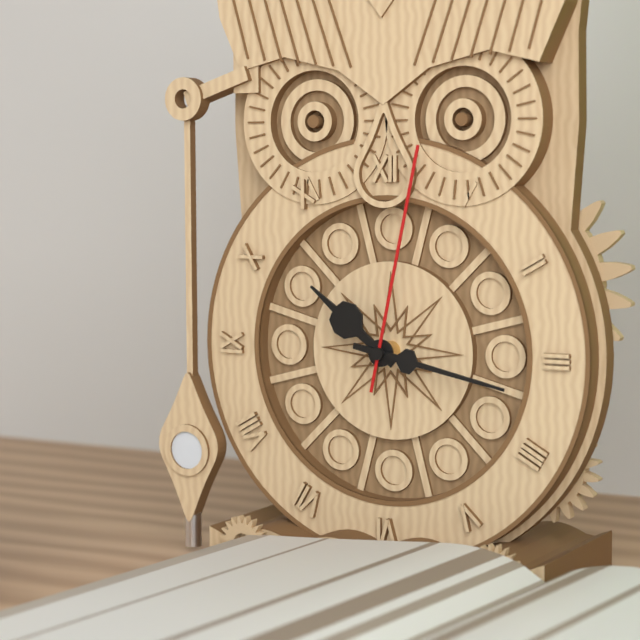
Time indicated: 10,17,02
